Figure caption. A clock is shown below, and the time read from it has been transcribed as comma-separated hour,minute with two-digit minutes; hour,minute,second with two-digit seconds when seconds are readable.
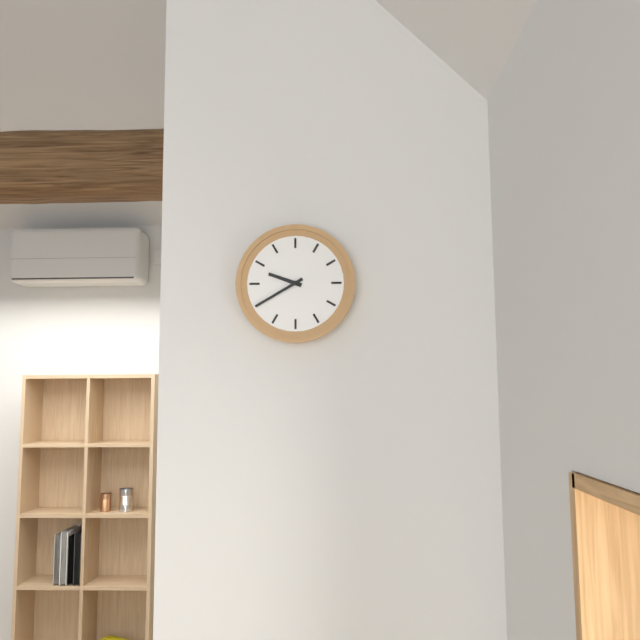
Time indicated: 9,40
